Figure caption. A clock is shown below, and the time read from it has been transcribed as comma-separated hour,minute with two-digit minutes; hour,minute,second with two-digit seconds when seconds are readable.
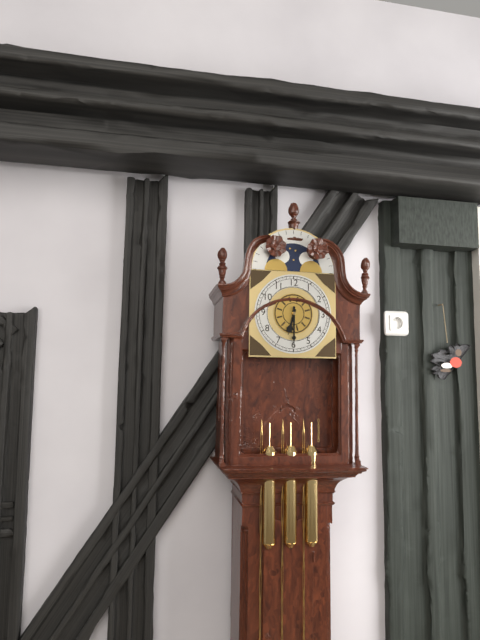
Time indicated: 6,30
